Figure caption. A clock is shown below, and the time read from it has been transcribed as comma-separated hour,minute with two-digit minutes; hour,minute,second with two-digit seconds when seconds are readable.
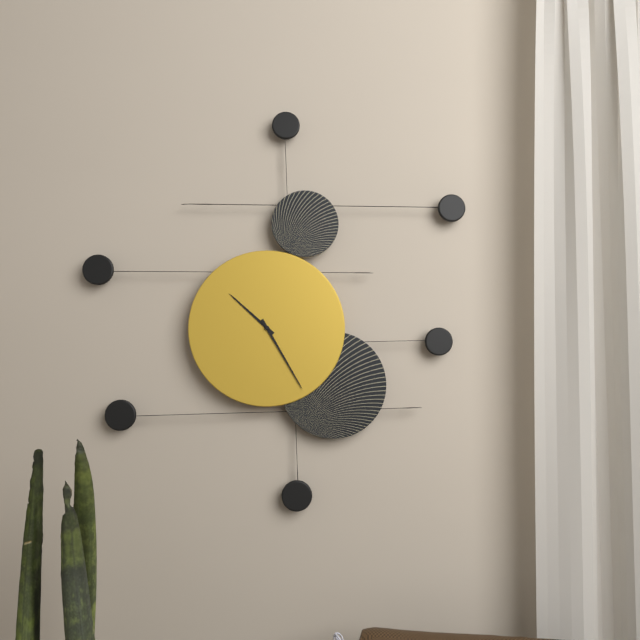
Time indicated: 10,25
